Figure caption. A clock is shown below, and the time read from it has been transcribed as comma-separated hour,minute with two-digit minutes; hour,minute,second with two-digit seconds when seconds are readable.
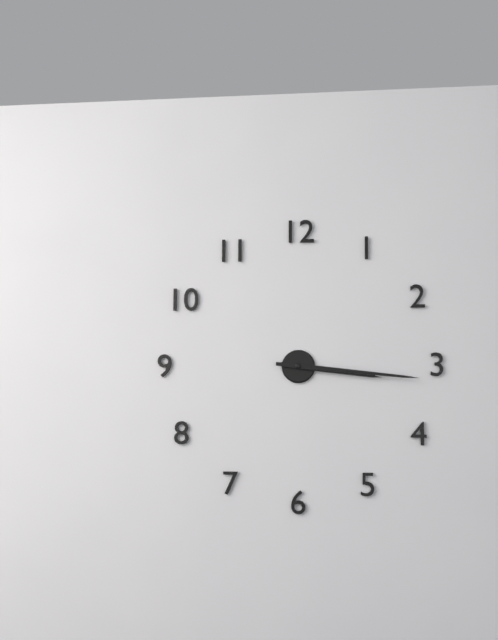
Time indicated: 3,16
